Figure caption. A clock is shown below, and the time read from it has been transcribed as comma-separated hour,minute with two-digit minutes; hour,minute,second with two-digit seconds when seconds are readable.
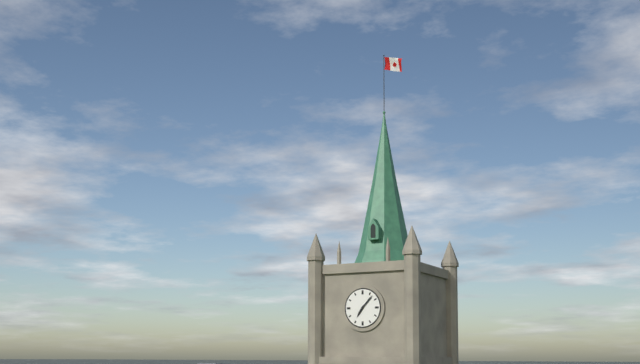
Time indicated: 7,07
